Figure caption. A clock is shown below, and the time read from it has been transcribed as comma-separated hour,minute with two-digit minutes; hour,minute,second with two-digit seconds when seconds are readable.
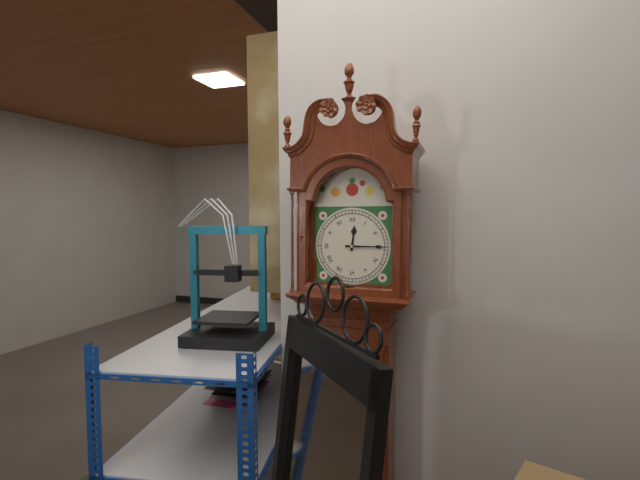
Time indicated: 12,15
